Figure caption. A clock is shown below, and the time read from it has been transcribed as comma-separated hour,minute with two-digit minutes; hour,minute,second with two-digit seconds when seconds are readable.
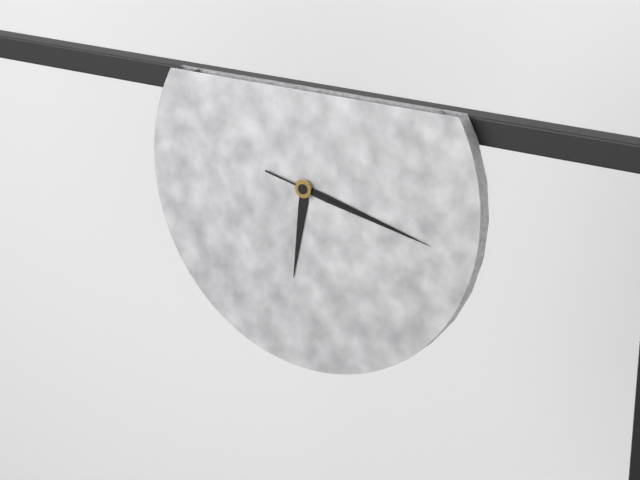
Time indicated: 6,17,17
